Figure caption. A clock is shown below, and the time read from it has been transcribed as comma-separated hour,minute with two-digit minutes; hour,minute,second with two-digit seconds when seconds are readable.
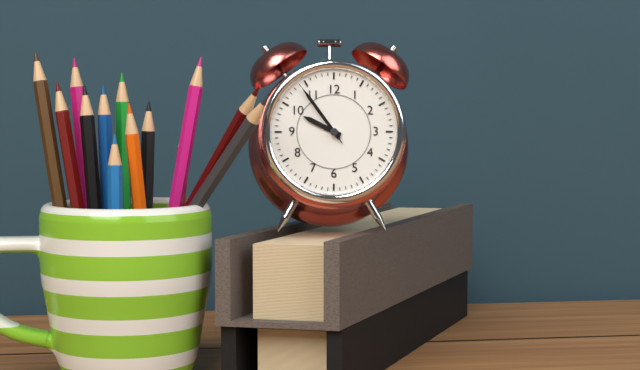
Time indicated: 9,54,54
